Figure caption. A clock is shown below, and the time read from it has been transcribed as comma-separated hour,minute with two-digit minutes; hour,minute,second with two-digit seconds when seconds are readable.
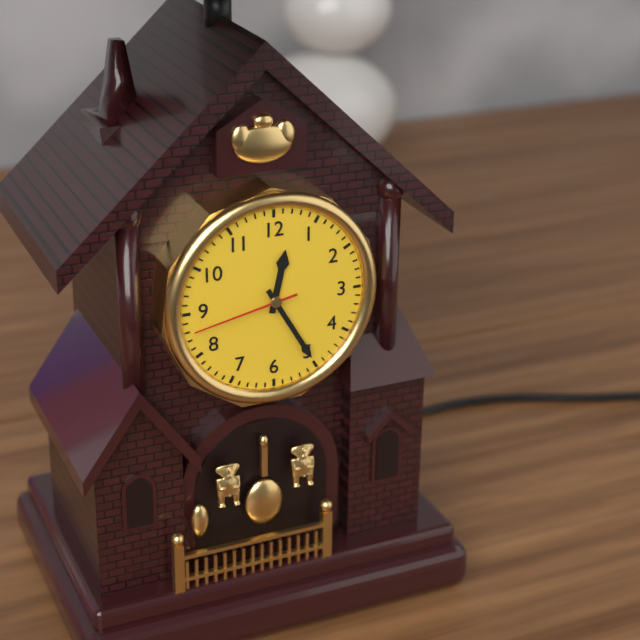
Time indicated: 12,25,43
